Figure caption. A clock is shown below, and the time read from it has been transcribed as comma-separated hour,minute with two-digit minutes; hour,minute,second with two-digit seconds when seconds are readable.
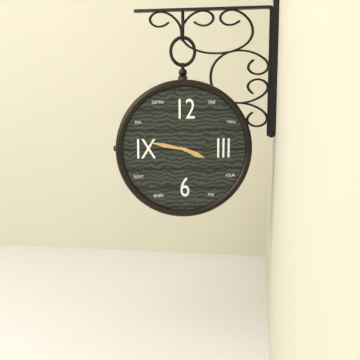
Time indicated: 3,47
